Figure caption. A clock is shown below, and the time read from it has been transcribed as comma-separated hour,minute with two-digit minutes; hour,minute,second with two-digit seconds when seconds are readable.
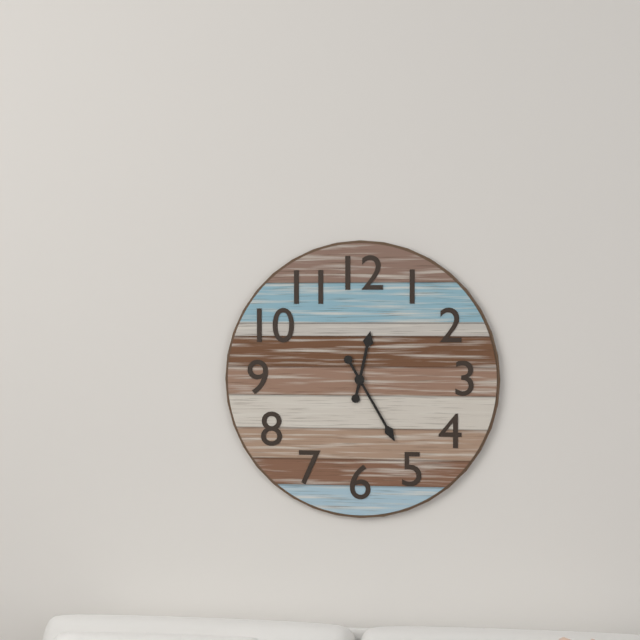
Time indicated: 12,25
